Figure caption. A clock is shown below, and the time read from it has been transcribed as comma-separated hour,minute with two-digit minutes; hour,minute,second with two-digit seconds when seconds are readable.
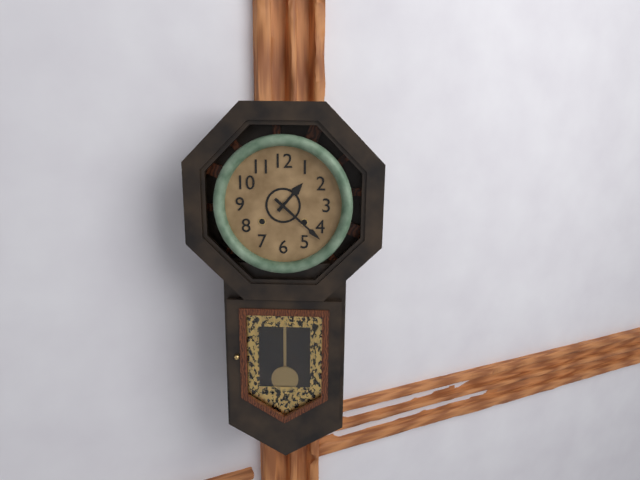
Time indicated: 1,22
